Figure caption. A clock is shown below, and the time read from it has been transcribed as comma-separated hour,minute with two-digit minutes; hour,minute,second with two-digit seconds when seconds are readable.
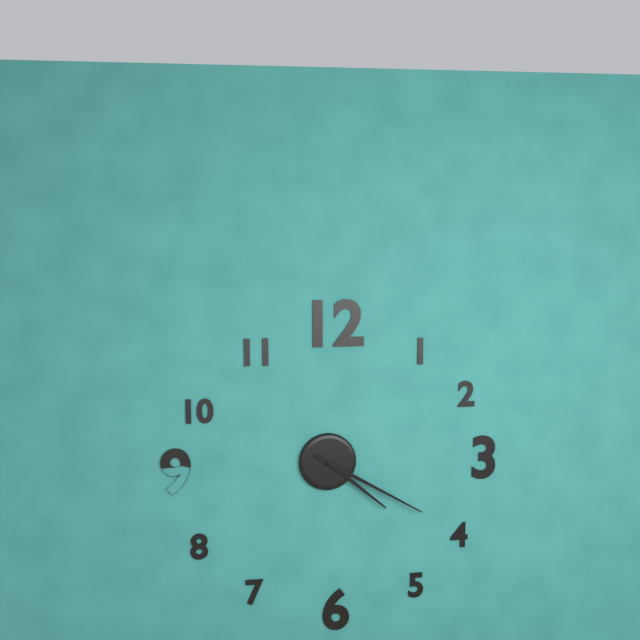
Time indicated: 4,20
